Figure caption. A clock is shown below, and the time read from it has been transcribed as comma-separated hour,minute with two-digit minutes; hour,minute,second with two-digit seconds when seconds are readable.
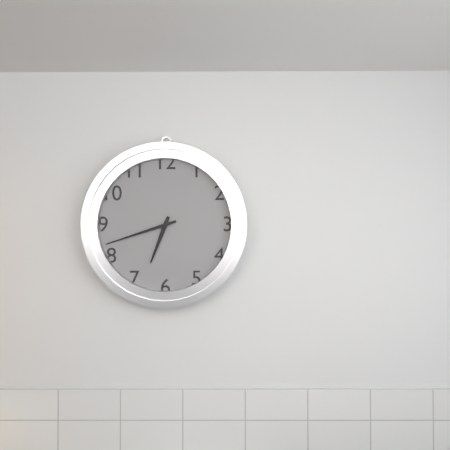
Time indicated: 6,42
